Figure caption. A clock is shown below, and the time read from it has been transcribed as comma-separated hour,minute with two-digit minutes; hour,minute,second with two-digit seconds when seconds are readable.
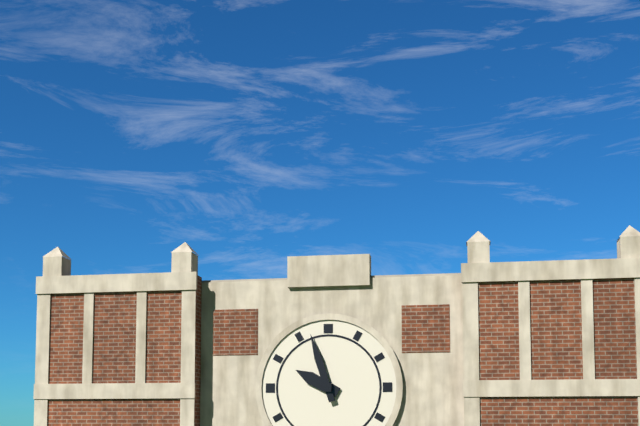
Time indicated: 9,57
